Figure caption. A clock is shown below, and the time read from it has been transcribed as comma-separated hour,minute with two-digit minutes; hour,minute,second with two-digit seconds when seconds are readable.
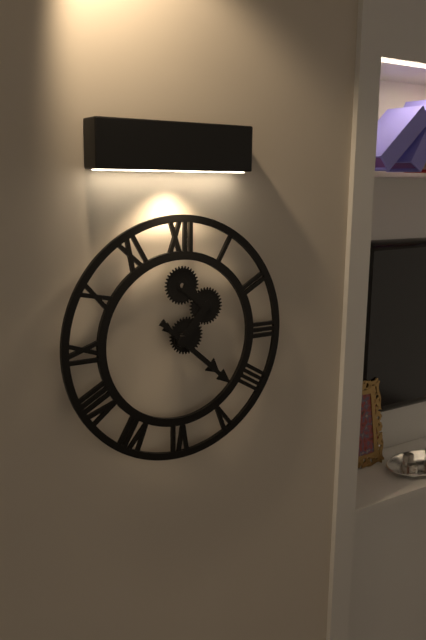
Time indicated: 4,22
